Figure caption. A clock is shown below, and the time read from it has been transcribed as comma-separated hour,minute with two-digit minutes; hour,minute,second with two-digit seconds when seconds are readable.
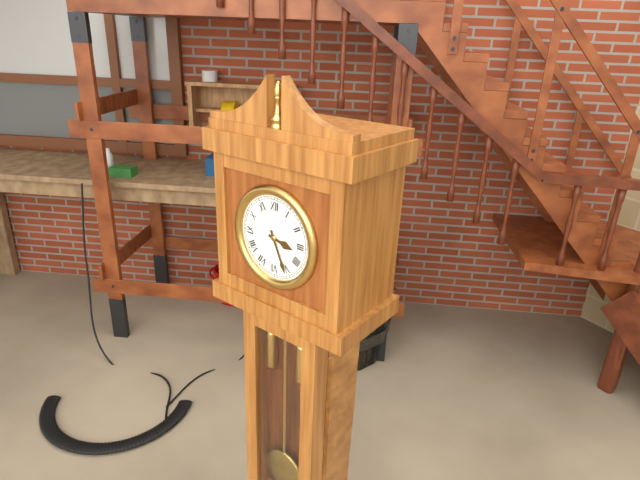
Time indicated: 3,26
